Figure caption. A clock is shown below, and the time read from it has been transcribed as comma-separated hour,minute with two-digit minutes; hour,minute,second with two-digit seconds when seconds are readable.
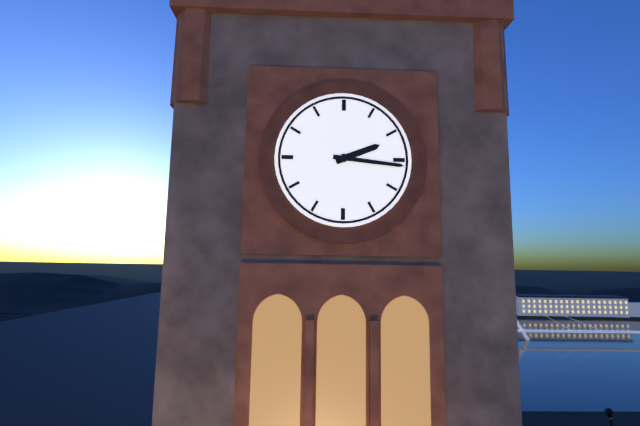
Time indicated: 2,16
